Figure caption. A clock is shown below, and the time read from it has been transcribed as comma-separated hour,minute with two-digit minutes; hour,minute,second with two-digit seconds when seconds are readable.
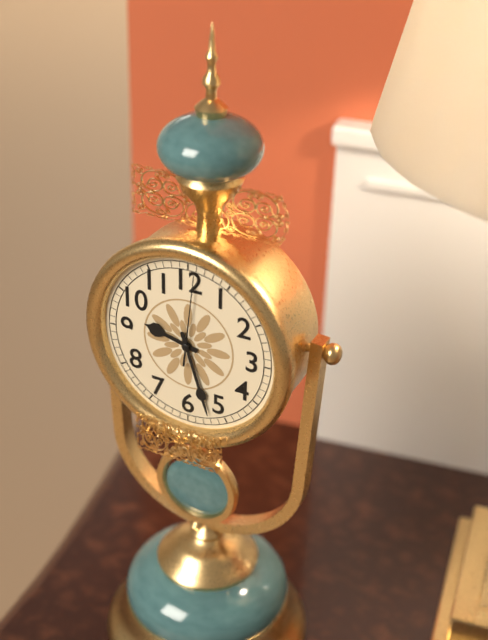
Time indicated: 9,27,01
